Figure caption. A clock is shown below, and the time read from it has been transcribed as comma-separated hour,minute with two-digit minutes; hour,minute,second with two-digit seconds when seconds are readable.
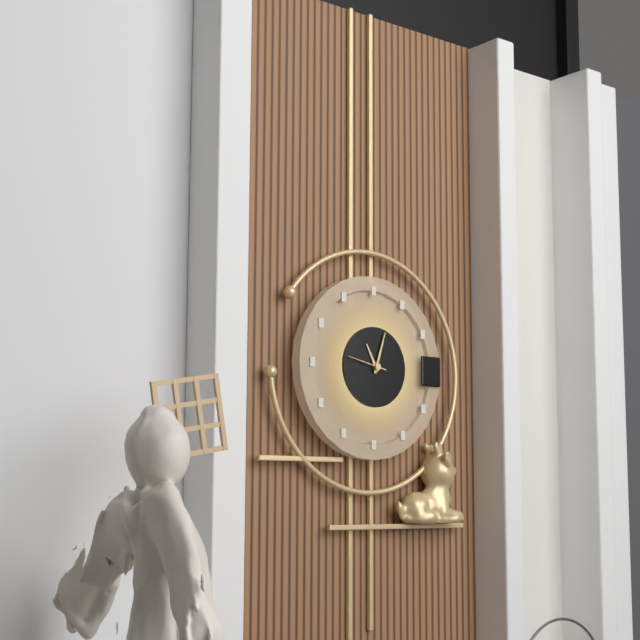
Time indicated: 11,03
